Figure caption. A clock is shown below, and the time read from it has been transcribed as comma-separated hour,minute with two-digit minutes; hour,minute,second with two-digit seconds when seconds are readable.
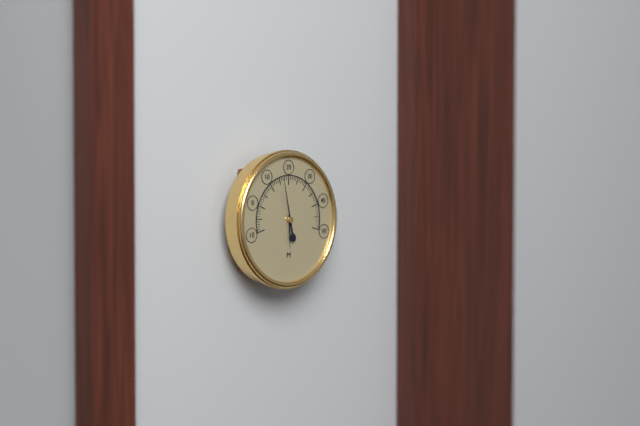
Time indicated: 5,58
